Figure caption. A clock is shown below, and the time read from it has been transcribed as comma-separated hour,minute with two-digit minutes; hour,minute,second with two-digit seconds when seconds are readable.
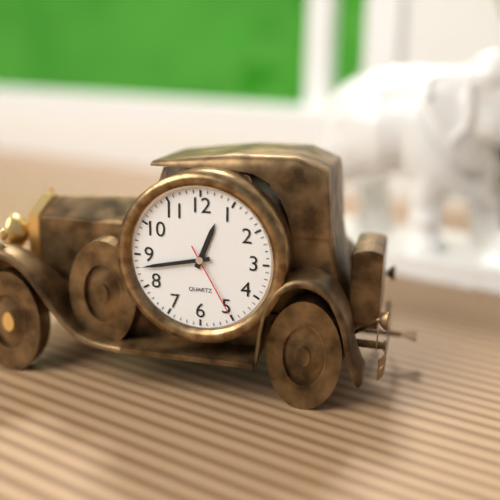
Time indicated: 12,43,25
